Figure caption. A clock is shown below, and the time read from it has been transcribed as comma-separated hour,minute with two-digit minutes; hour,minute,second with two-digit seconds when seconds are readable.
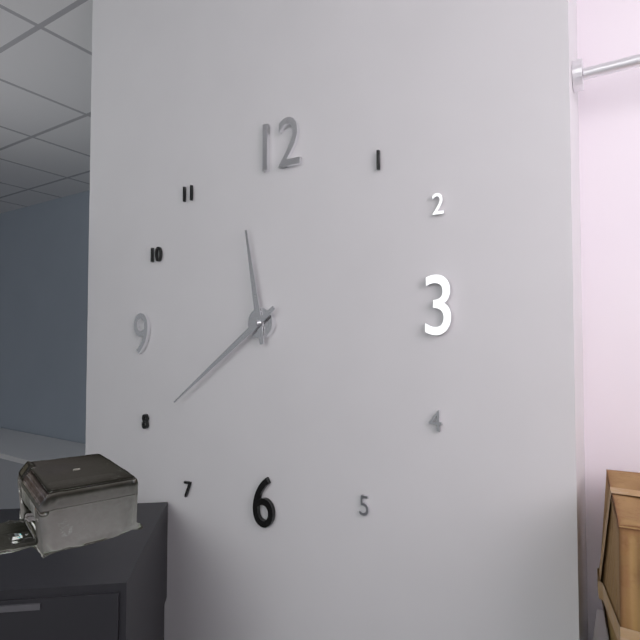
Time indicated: 11,39
